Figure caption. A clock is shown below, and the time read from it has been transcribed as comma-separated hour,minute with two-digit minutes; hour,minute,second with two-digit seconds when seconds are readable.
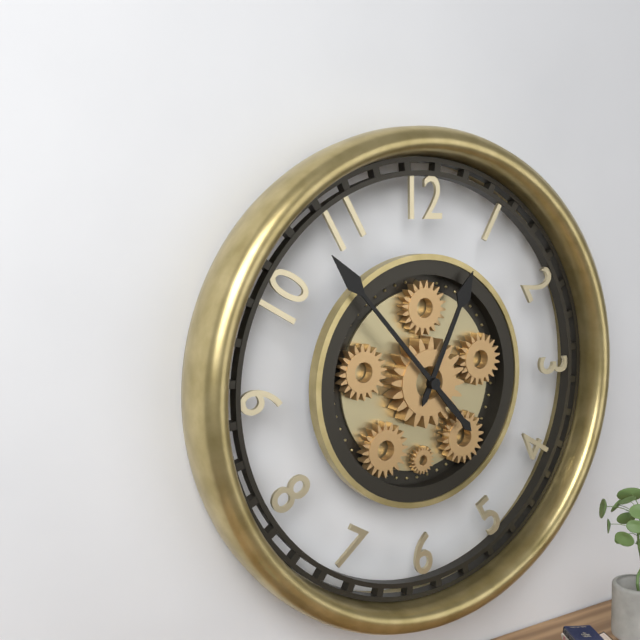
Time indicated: 12,53
